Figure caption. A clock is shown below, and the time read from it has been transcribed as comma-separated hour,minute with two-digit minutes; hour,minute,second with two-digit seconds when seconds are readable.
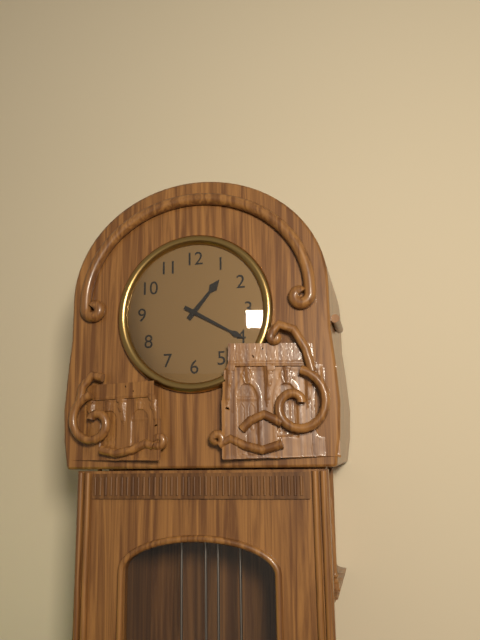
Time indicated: 1,20
